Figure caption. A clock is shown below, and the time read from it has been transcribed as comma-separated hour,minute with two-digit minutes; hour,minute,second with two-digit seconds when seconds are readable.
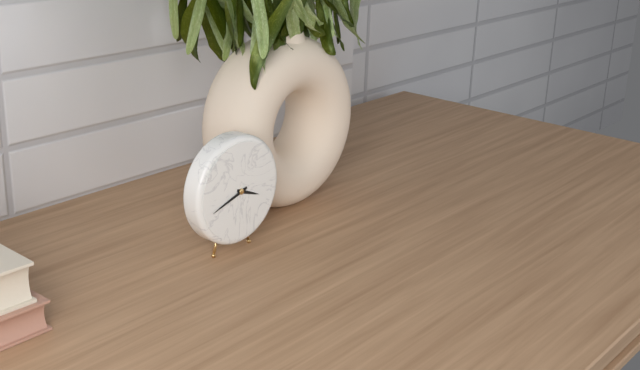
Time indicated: 3,42
